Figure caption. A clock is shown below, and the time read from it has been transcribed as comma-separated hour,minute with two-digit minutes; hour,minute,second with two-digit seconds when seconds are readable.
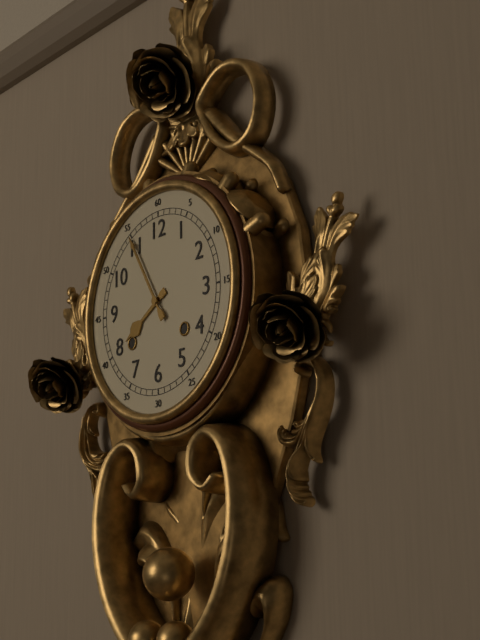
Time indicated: 7,55
